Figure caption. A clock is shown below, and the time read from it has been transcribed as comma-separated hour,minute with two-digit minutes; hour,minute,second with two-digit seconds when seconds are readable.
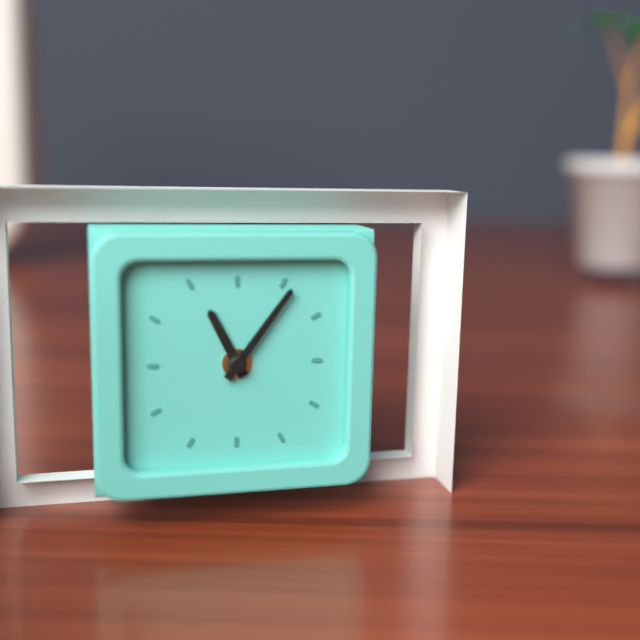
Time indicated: 11,06
